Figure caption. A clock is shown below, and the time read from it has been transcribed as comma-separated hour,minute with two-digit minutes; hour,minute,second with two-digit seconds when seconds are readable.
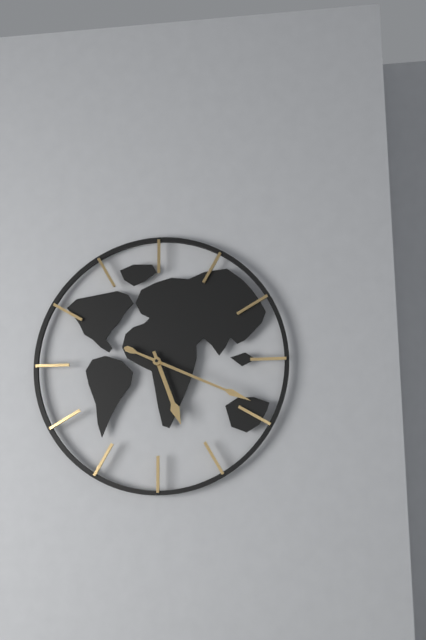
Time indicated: 5,19
